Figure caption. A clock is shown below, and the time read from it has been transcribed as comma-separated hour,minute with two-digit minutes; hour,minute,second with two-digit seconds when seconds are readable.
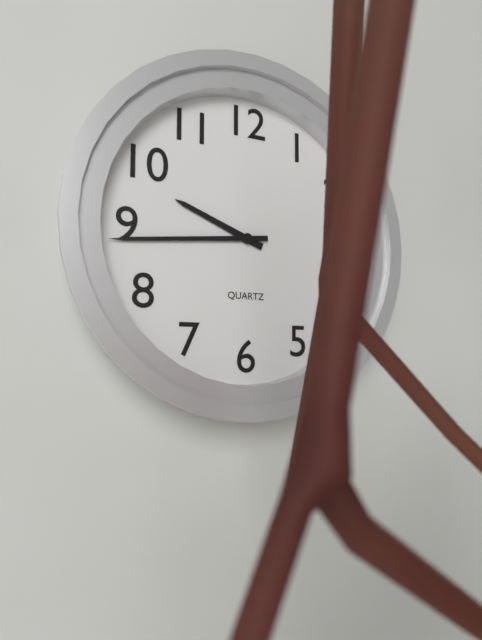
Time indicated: 9,44
